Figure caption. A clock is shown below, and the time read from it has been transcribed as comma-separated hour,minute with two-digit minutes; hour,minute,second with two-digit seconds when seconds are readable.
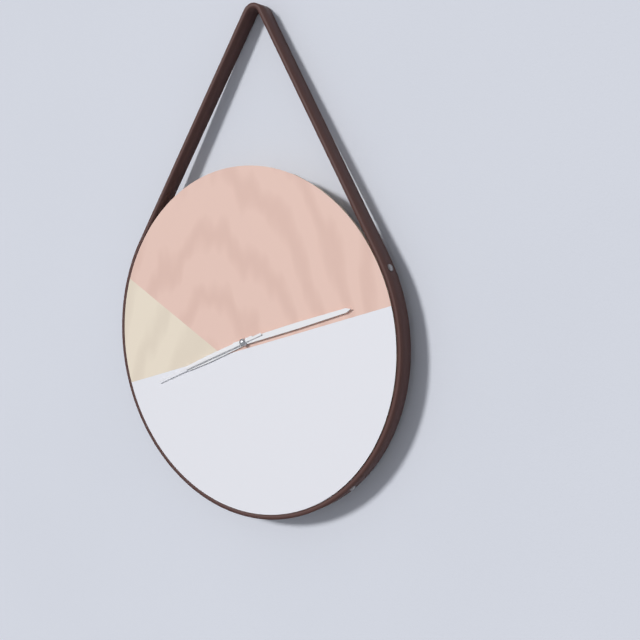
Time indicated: 8,12,41
